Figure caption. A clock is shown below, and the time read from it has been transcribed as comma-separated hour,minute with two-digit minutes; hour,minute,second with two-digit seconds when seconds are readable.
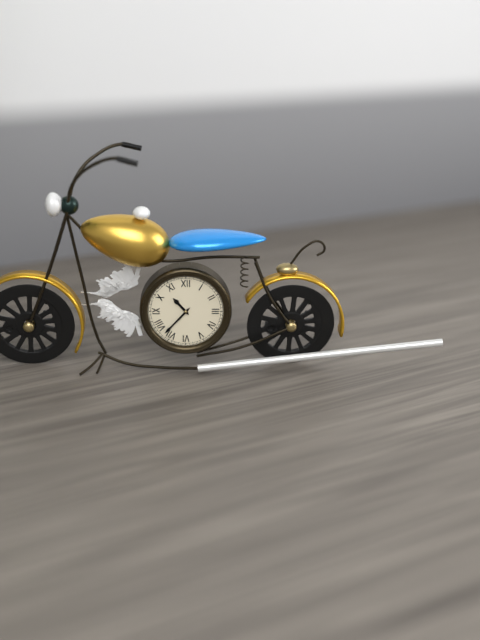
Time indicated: 10,37
